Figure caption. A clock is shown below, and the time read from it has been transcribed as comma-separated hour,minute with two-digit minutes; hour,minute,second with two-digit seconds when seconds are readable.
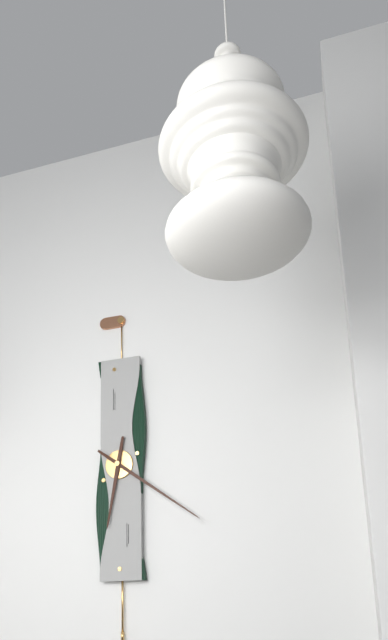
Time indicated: 6,21
